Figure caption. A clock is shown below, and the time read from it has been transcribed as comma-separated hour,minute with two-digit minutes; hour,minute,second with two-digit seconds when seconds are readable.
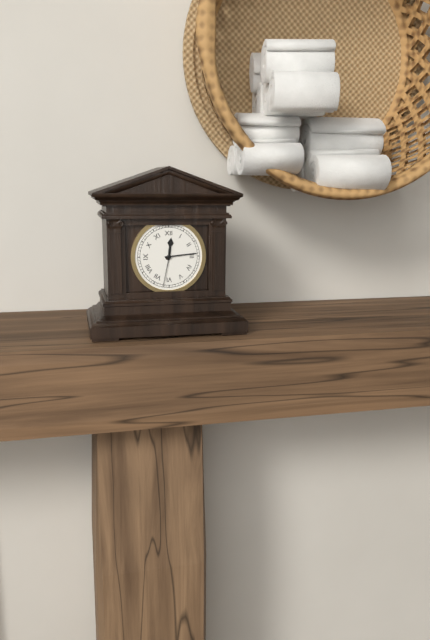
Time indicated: 12,14
